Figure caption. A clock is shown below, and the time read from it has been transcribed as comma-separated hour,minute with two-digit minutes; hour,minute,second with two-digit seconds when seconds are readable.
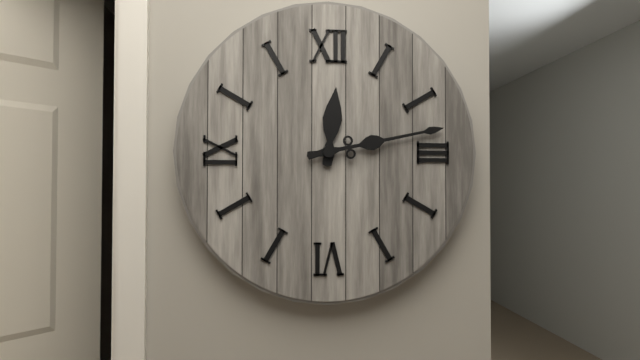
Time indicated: 12,13
